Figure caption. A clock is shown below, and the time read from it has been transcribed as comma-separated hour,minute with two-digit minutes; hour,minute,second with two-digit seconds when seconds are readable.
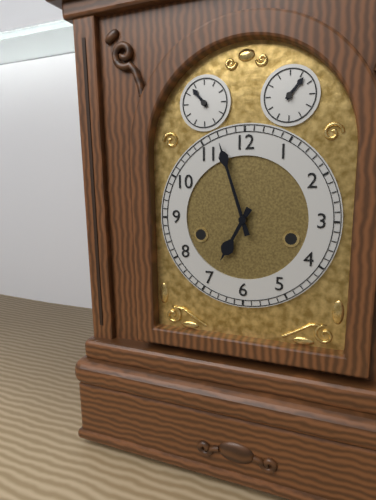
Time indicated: 6,57
